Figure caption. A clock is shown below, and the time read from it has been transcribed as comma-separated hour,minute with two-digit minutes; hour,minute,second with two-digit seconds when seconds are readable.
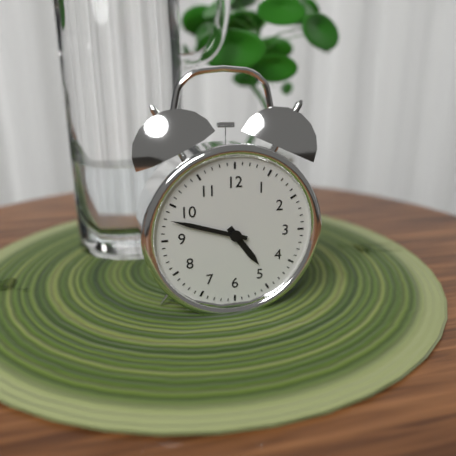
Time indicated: 4,48
